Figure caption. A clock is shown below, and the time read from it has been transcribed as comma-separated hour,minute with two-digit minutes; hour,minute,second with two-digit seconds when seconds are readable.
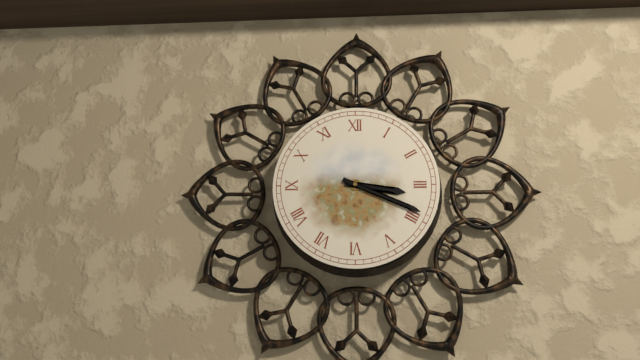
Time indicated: 3,19
